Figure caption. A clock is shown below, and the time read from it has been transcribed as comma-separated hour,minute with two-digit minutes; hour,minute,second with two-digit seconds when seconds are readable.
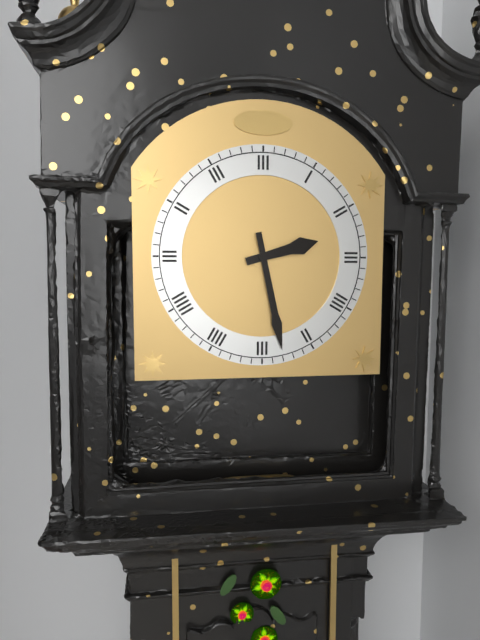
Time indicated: 2,28
